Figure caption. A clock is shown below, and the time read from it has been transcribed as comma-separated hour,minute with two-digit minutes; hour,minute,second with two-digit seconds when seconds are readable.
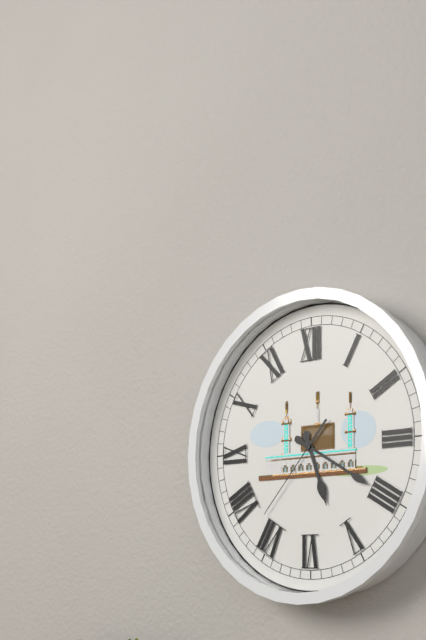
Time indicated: 5,20,37
